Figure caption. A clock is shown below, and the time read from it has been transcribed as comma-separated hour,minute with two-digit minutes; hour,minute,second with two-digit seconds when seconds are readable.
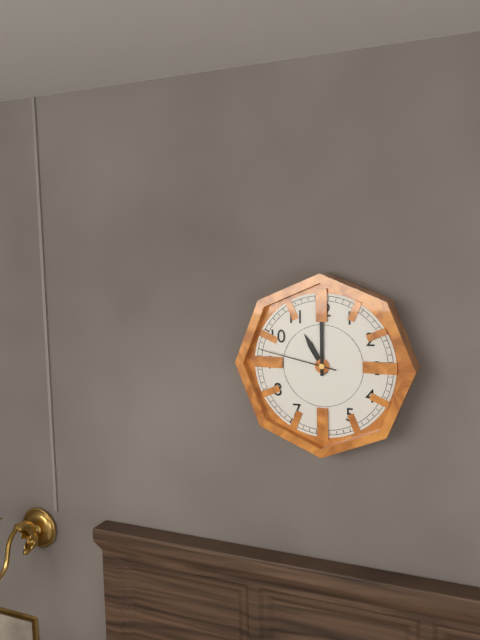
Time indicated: 11,00,47
